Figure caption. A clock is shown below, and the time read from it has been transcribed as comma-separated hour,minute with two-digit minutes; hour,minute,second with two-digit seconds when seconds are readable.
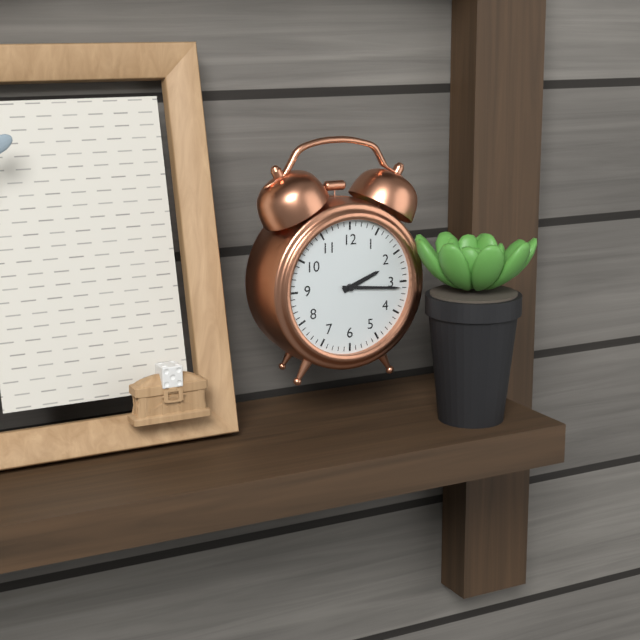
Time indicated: 2,16
